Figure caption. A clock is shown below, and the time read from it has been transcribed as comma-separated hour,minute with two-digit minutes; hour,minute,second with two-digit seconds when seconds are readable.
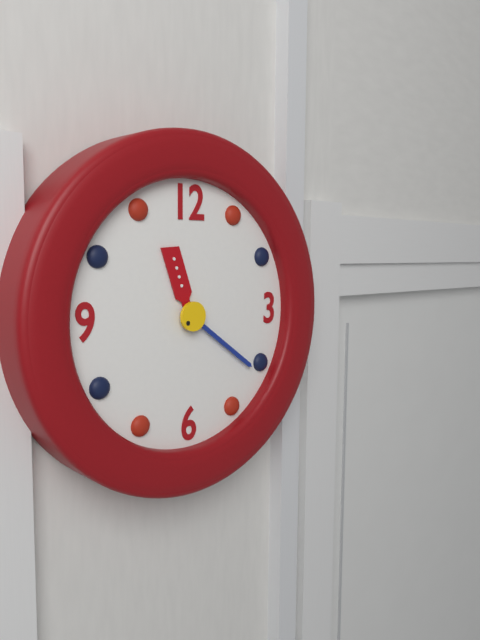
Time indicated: 11,21
